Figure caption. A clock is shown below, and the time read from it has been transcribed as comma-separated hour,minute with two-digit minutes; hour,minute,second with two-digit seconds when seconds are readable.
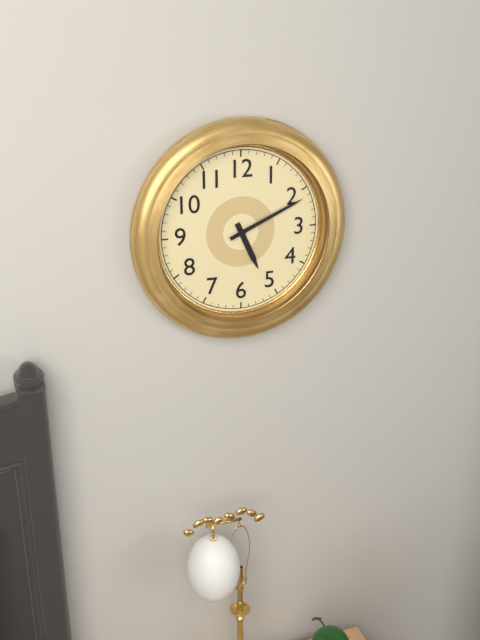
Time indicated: 5,11
